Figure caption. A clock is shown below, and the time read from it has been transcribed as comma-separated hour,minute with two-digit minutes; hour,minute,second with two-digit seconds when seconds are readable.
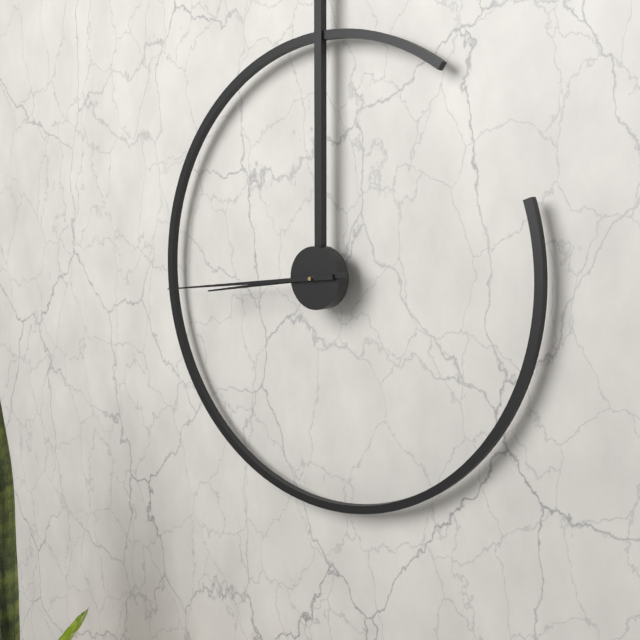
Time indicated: 8,44
